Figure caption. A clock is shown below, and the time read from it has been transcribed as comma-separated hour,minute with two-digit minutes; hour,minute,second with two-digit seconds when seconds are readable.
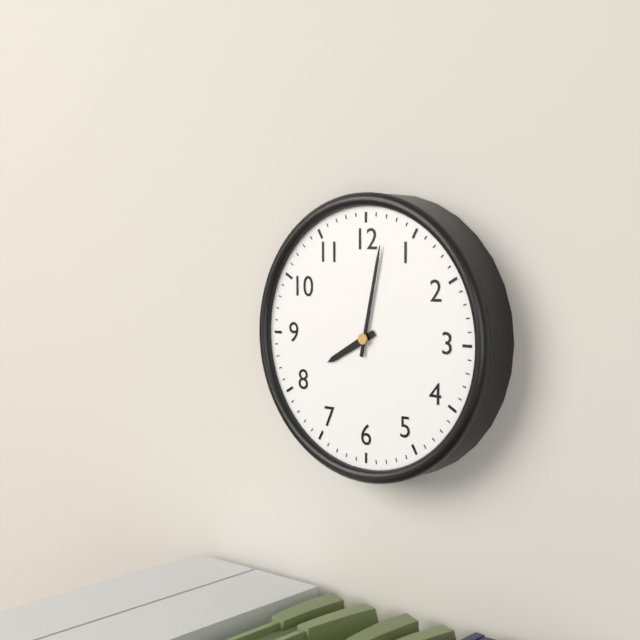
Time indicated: 8,02
